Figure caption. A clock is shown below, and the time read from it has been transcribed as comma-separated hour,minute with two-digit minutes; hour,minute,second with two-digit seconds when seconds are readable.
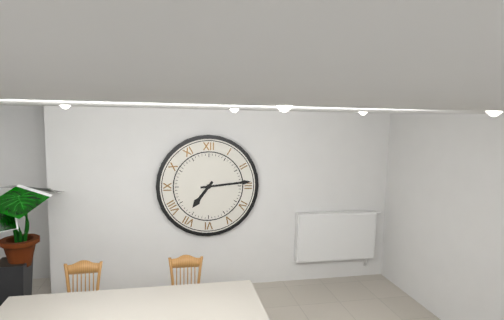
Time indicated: 7,14
